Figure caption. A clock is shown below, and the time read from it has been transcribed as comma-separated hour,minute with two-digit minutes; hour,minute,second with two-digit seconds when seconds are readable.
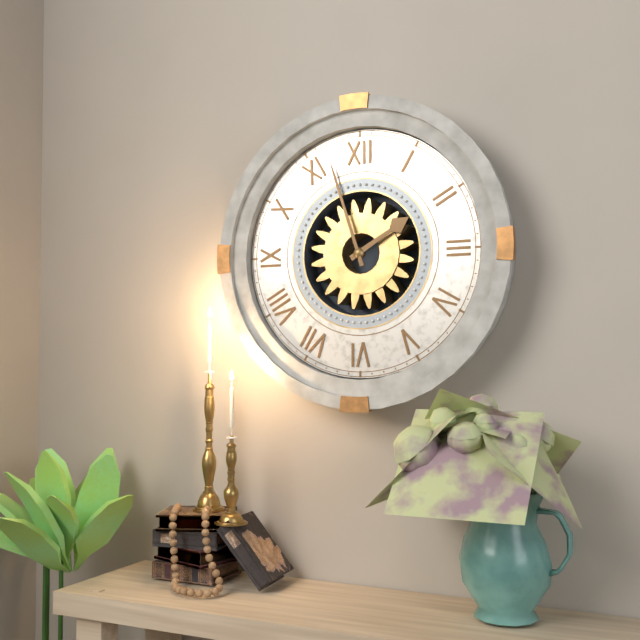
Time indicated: 1,57
